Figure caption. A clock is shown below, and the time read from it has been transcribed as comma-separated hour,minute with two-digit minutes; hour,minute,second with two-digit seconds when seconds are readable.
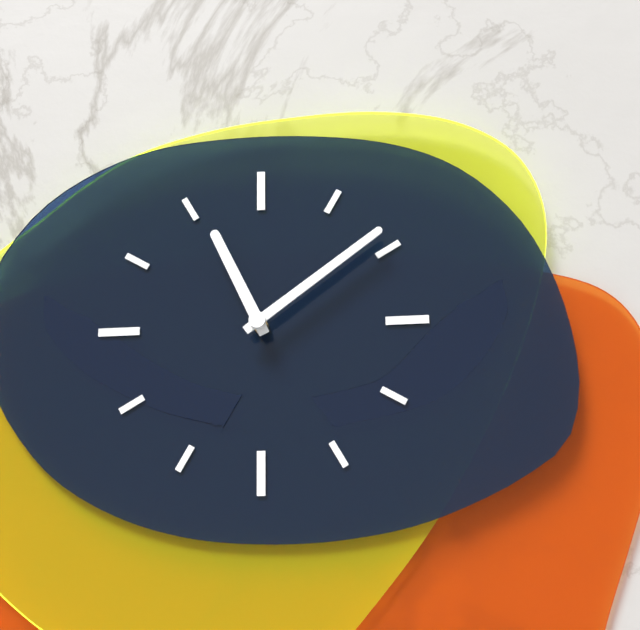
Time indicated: 11,09
